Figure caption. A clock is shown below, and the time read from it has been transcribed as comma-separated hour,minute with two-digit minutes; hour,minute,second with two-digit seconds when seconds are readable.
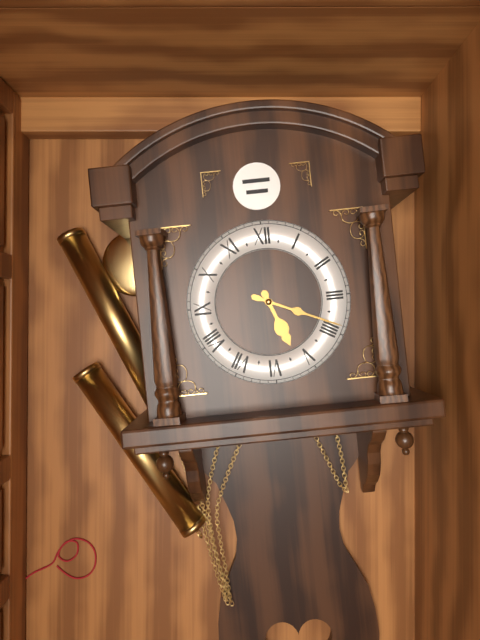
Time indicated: 5,19
